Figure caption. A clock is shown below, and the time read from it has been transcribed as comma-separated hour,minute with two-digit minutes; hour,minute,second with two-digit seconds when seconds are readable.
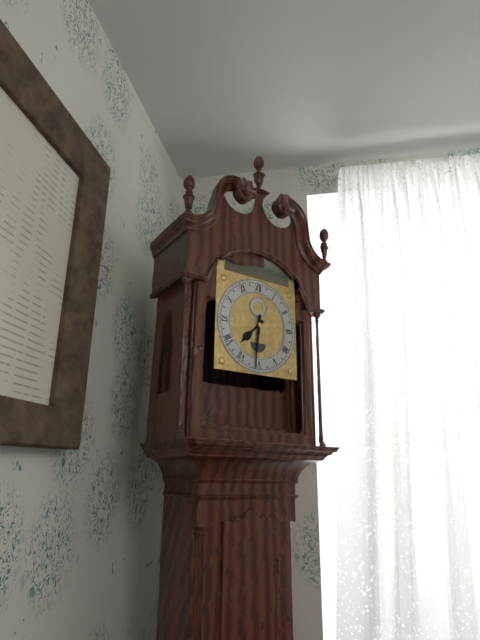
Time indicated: 7,31
